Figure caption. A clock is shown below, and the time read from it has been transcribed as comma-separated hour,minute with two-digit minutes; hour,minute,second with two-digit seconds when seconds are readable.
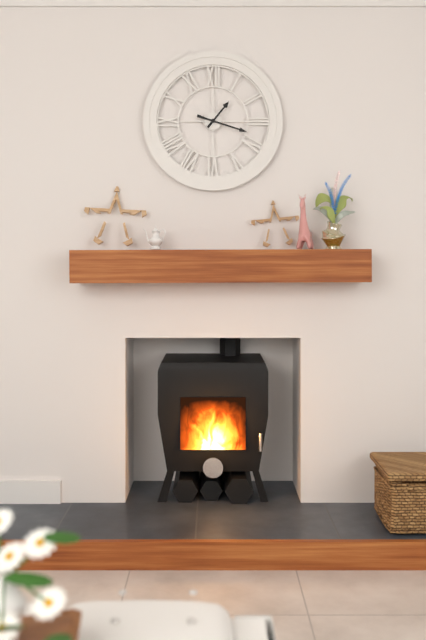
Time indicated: 1,18
